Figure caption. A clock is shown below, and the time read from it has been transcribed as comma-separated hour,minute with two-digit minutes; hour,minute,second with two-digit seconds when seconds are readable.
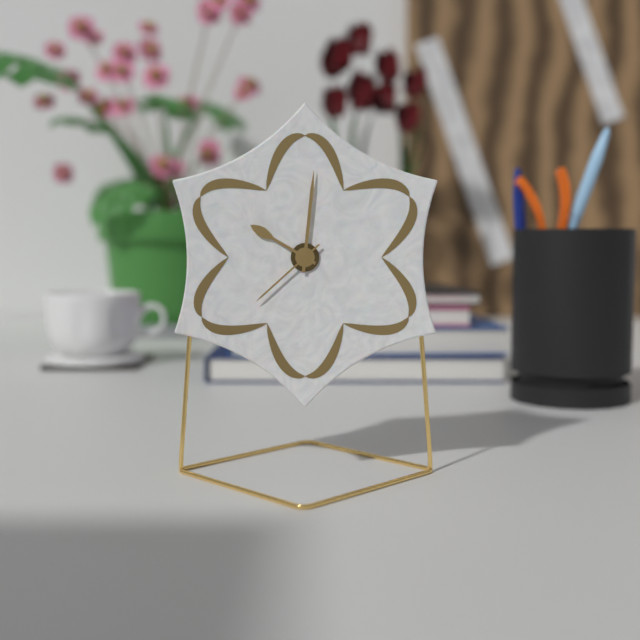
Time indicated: 10,01,38
